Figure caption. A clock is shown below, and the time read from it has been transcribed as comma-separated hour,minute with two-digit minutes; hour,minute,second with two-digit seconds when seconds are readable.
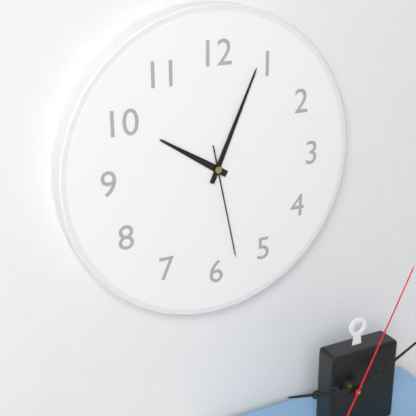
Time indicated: 10,04,28
